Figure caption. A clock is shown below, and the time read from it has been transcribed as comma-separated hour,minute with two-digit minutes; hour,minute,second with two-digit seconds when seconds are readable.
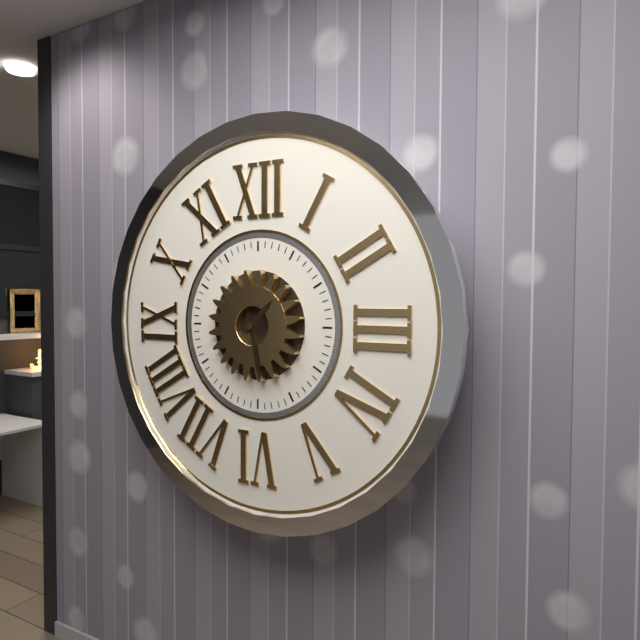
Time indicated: 1,28
